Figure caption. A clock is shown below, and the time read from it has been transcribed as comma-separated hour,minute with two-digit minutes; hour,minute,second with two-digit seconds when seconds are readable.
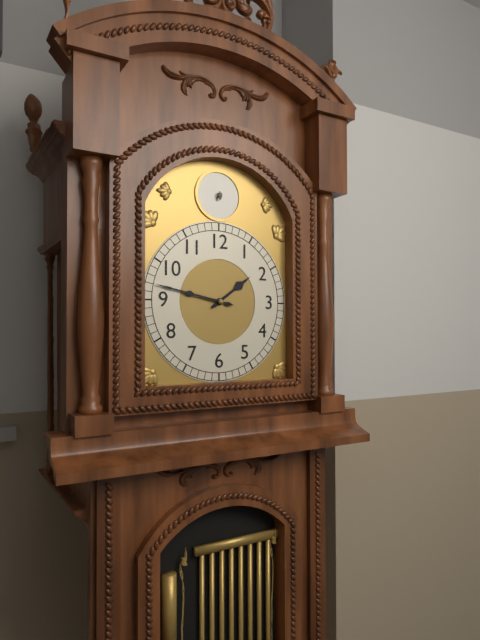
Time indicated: 1,47
